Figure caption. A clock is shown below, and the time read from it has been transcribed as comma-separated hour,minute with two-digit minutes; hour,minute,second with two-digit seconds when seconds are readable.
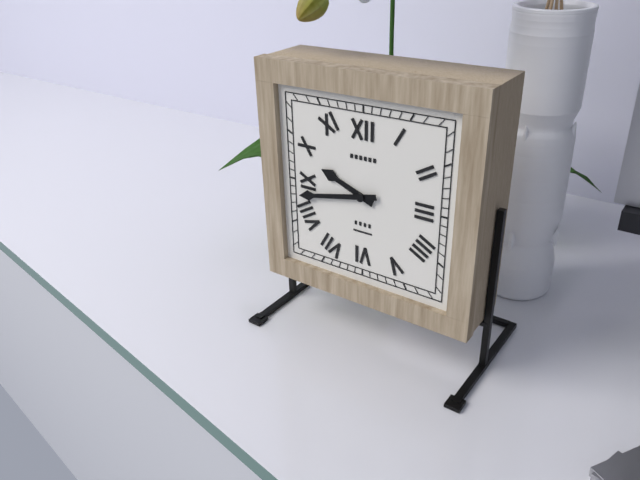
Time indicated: 9,43
